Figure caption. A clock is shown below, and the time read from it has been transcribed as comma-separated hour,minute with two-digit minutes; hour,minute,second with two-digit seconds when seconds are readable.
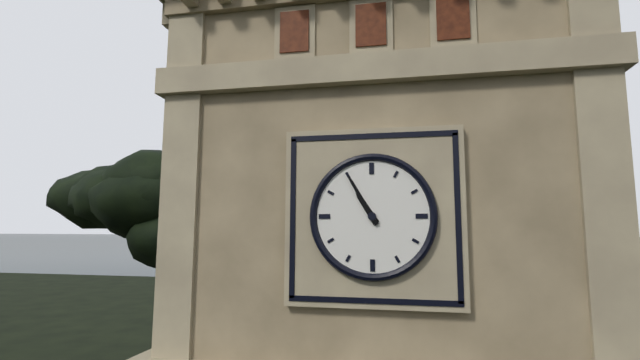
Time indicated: 10,55
